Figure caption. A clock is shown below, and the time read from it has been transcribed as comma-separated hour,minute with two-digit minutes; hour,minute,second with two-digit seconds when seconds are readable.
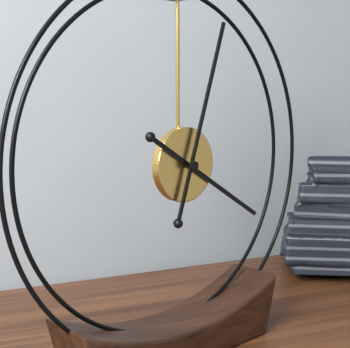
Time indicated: 4,03
